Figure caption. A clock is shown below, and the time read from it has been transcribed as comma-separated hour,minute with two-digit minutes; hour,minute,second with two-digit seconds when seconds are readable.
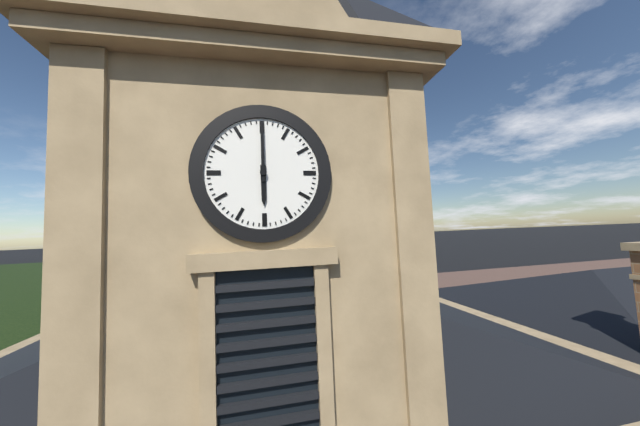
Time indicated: 6,00
